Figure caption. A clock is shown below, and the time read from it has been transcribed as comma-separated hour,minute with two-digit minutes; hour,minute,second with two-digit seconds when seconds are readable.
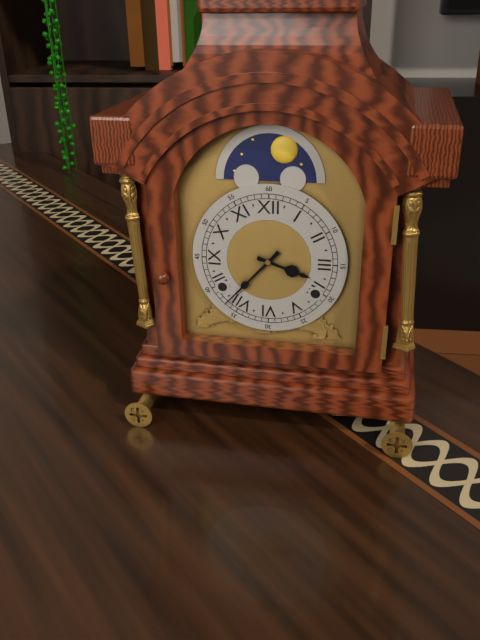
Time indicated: 3,37
